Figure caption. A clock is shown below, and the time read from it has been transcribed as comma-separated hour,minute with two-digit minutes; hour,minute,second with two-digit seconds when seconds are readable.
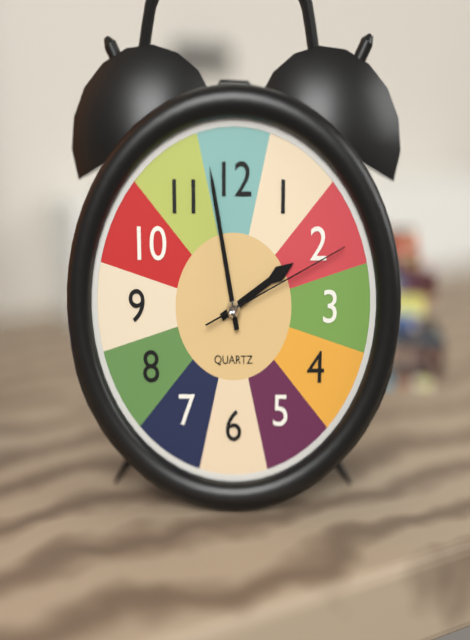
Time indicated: 1,58,11
